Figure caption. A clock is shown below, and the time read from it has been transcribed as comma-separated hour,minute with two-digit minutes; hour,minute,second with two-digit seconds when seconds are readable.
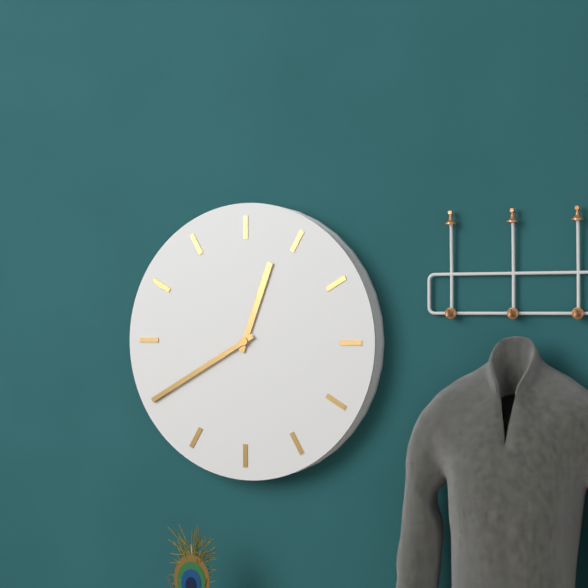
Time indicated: 12,40
